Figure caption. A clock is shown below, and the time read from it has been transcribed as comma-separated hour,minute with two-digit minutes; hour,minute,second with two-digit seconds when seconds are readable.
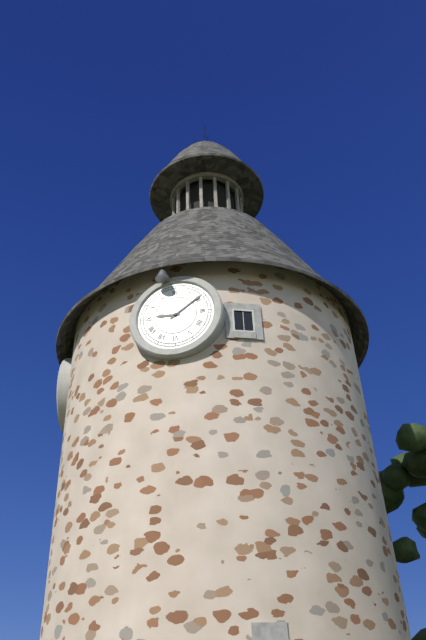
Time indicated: 9,09
